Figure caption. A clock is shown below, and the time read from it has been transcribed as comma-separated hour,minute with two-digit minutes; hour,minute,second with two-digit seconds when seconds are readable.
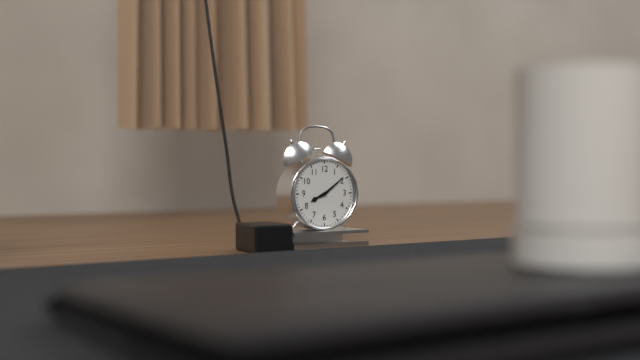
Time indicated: 8,09
